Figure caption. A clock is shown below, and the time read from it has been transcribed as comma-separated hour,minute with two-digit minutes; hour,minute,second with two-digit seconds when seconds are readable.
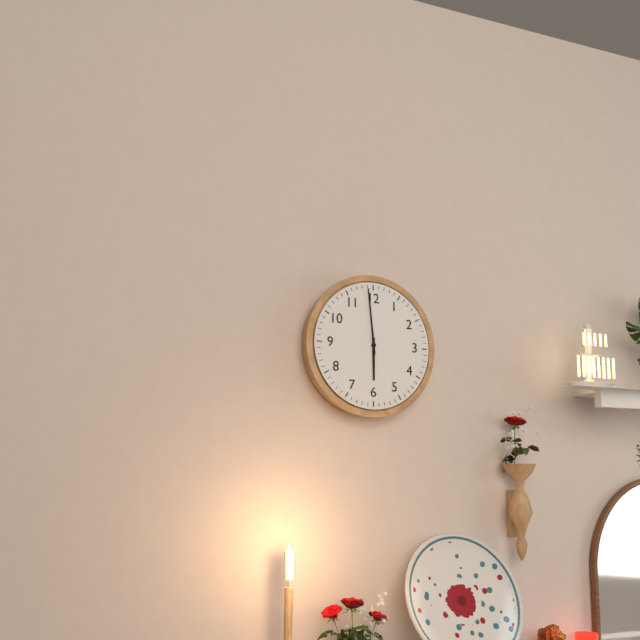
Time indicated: 5,59
